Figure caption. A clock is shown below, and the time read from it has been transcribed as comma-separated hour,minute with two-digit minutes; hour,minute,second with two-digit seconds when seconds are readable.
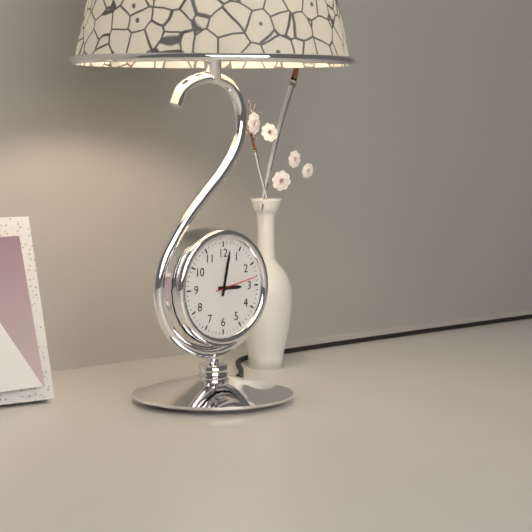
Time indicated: 3,02
